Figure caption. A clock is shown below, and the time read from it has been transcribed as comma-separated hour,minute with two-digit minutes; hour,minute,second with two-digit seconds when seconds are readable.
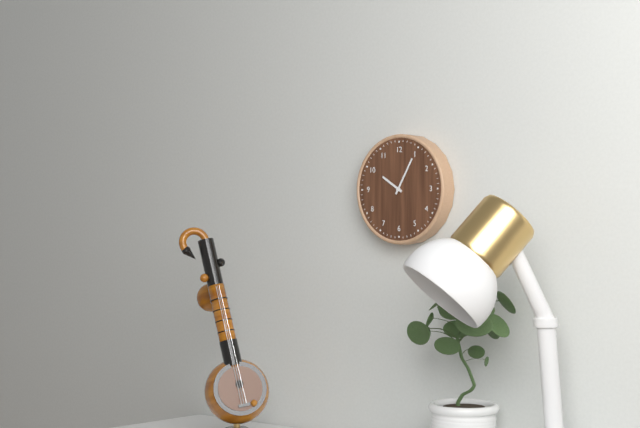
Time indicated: 10,05
